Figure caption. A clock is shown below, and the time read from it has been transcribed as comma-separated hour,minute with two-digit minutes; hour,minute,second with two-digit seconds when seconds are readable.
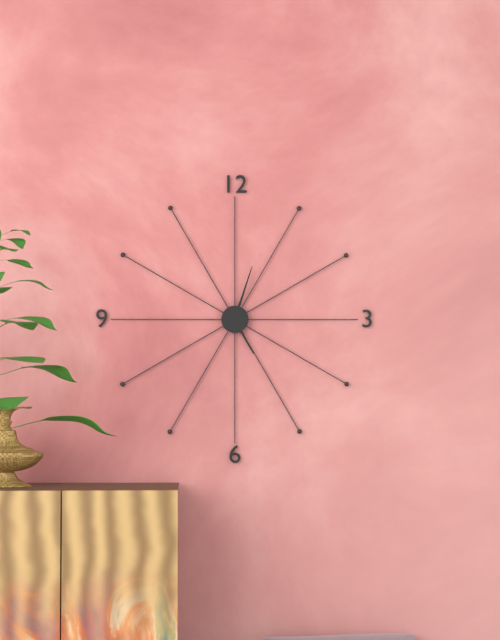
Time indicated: 5,03
